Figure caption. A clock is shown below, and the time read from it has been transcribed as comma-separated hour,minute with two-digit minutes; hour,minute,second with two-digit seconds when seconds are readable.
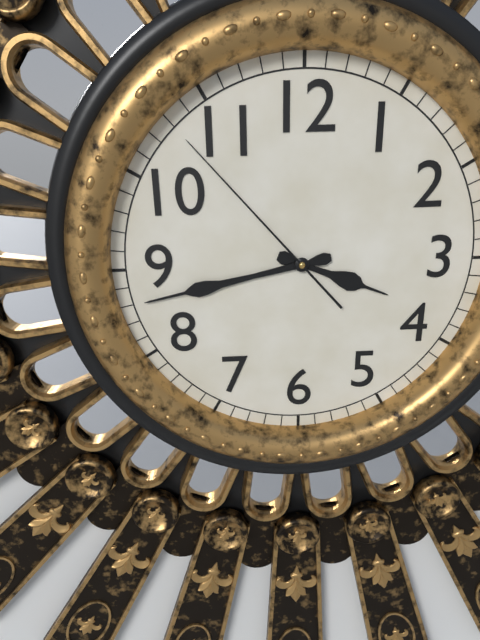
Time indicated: 3,43,53
